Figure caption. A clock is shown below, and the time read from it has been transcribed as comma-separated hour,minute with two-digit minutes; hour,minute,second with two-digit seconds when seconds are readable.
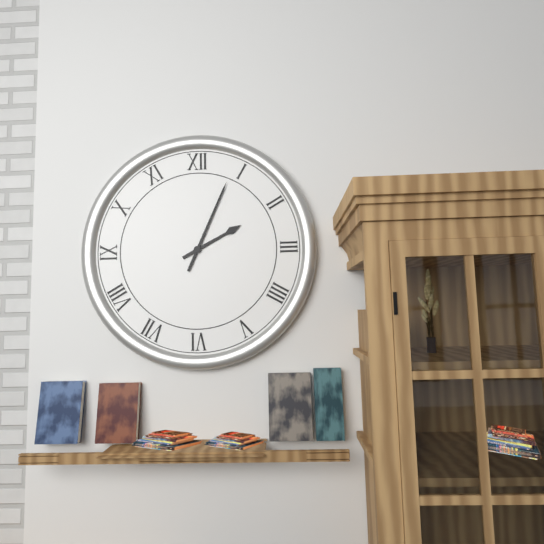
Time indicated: 2,04
